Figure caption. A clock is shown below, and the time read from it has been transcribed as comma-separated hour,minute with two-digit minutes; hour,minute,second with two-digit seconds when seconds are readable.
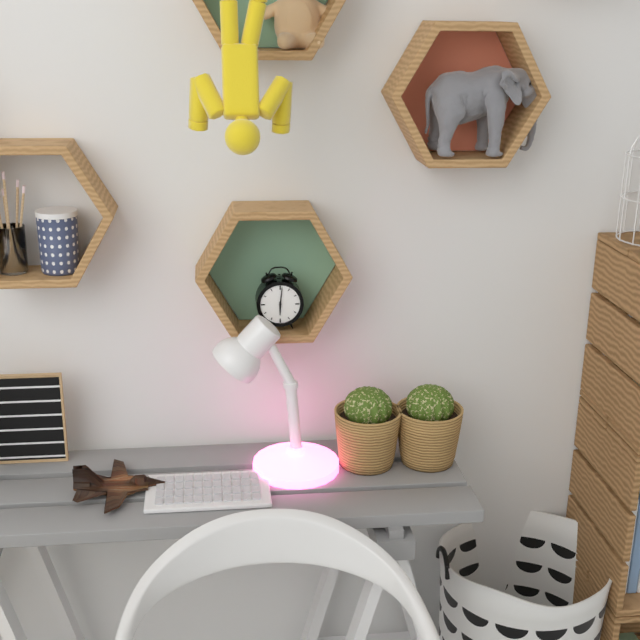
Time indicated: 6,01
